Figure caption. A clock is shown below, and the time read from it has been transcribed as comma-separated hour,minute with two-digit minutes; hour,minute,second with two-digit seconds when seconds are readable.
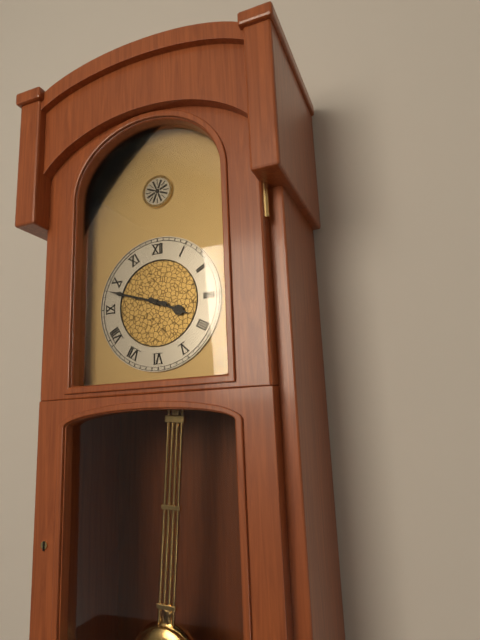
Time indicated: 3,48
